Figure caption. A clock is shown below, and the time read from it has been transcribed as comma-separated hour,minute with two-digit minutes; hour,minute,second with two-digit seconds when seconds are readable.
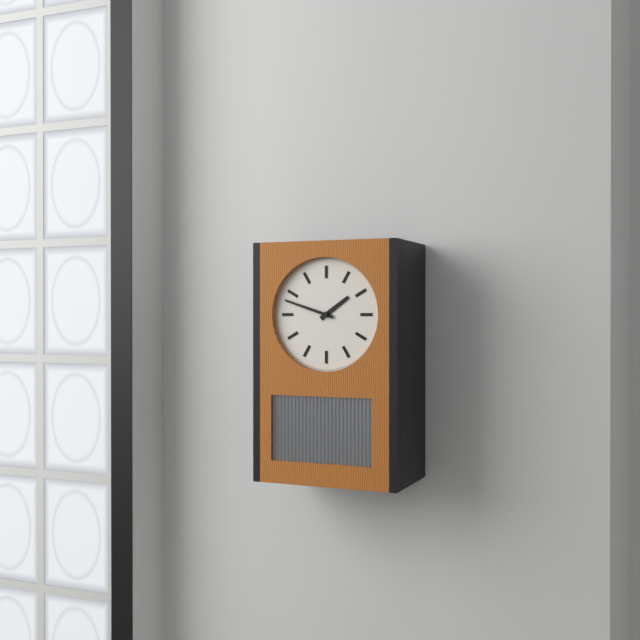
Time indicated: 1,48
